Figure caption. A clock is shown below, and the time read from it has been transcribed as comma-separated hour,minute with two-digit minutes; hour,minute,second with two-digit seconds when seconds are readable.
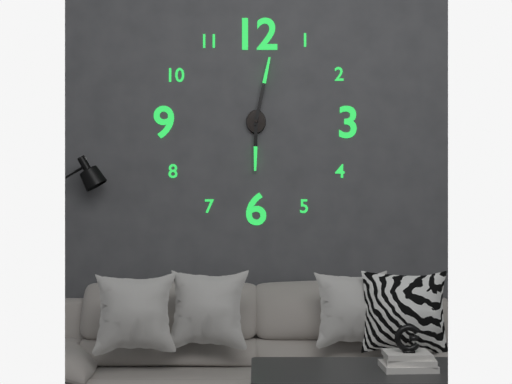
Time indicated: 6,02
